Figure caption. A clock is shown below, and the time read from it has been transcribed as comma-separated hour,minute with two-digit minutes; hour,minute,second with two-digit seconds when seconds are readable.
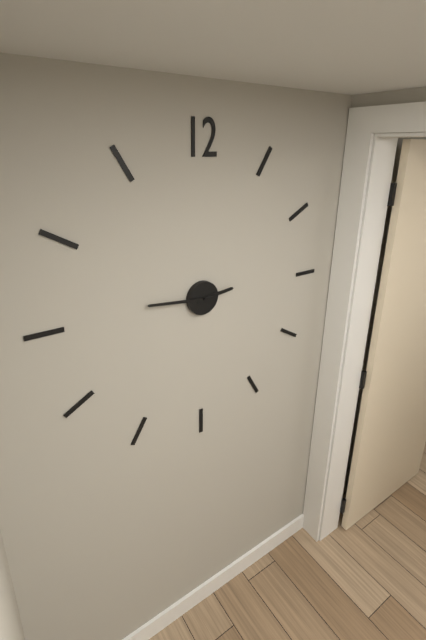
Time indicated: 2,46
